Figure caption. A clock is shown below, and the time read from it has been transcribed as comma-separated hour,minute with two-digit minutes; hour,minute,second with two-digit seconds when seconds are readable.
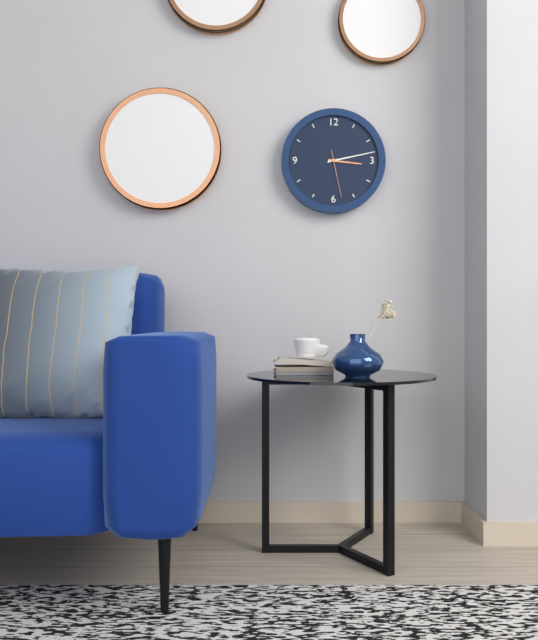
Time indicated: 3,13
